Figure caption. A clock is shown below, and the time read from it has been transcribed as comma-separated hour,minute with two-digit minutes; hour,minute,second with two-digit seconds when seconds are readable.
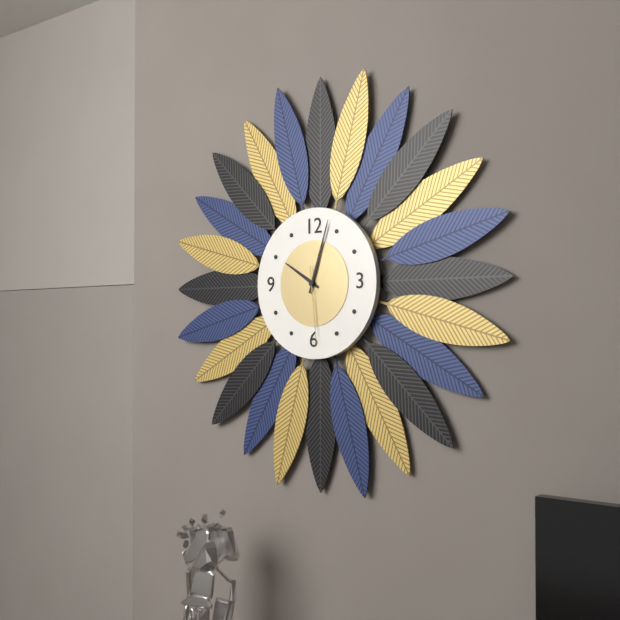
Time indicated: 10,03,29
